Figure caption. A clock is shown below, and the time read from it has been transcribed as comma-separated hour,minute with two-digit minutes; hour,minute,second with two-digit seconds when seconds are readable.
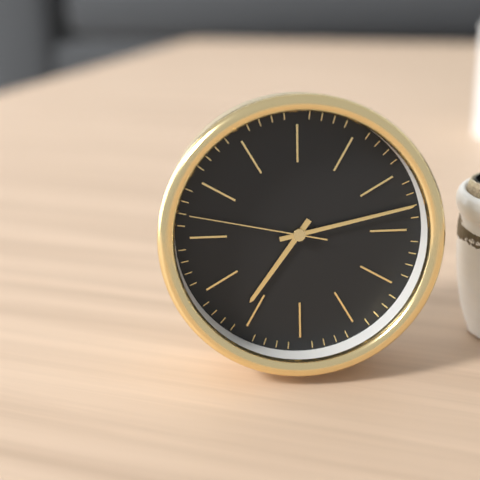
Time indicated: 7,13,47
